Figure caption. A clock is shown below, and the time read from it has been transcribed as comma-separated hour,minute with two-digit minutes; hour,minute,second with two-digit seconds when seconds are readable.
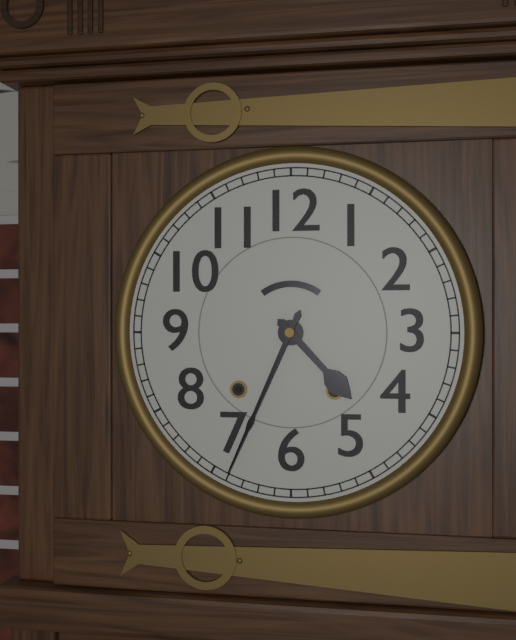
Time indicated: 4,34
